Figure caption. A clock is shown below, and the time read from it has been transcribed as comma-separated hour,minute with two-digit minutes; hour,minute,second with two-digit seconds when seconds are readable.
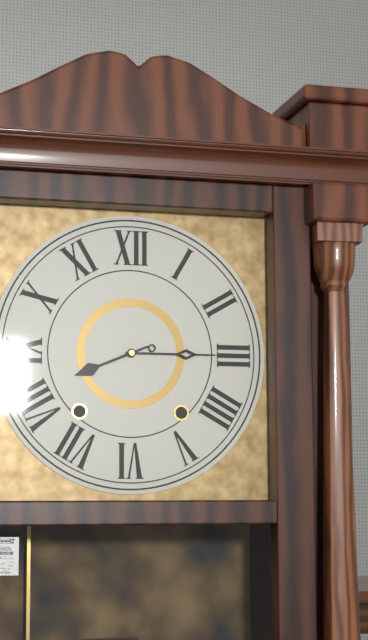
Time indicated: 8,15
